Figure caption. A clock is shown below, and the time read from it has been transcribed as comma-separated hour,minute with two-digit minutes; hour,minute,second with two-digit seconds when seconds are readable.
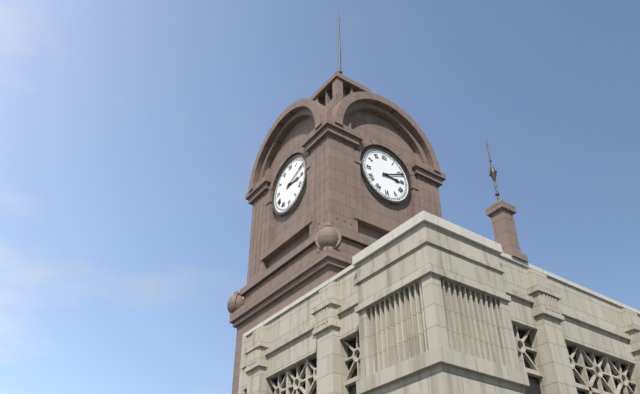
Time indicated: 3,11
